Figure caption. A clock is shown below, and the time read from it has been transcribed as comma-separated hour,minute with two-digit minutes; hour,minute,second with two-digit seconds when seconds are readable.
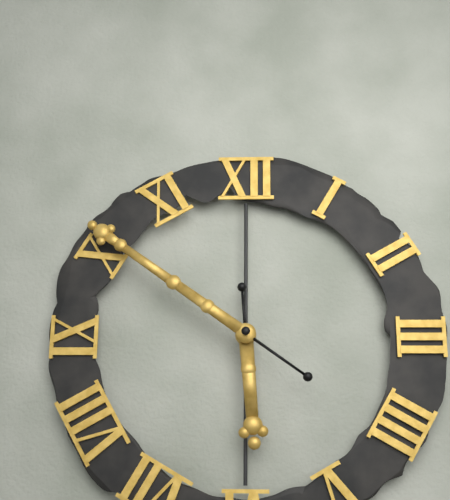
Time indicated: 5,51
